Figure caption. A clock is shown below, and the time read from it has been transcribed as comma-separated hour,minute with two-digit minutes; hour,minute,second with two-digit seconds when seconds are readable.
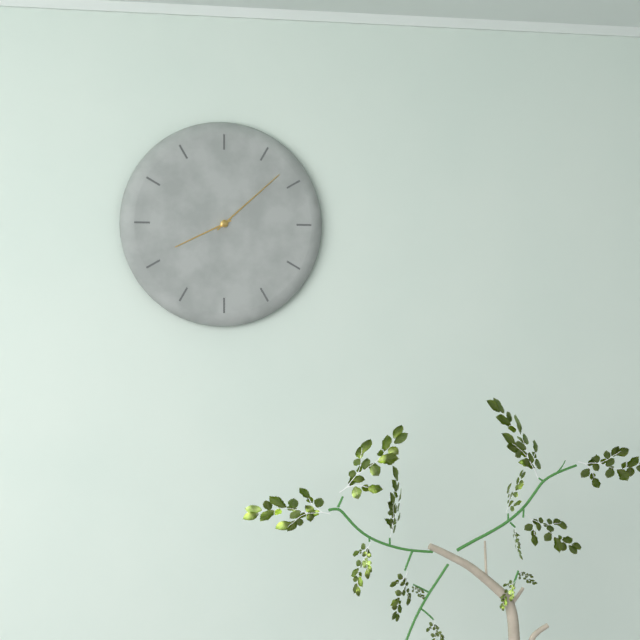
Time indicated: 8,08
